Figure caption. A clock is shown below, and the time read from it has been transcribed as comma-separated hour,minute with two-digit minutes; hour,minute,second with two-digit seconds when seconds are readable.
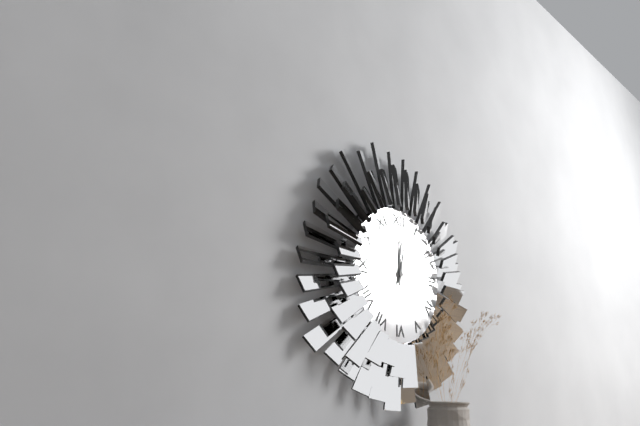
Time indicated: 12,02
